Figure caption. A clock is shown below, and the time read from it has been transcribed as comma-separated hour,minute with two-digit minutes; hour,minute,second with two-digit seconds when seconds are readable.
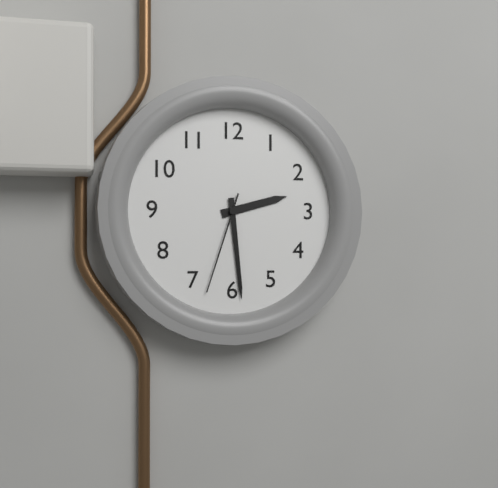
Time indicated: 2,29,33
